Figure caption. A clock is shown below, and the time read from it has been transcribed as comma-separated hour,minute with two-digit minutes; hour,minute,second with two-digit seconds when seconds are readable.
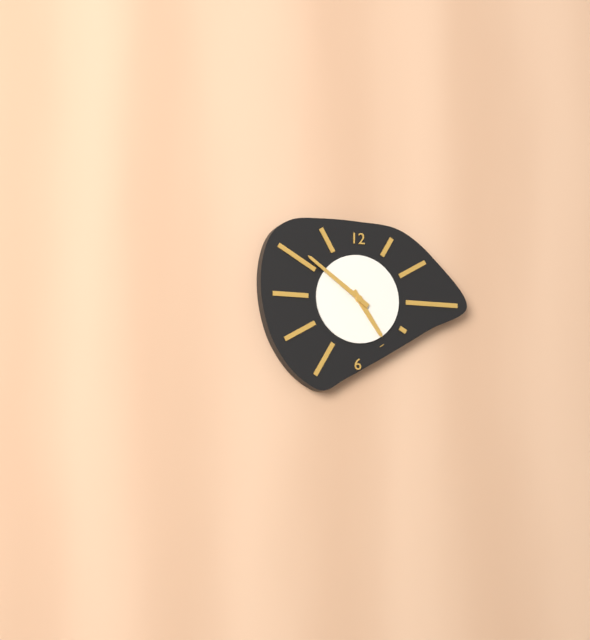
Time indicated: 4,51
